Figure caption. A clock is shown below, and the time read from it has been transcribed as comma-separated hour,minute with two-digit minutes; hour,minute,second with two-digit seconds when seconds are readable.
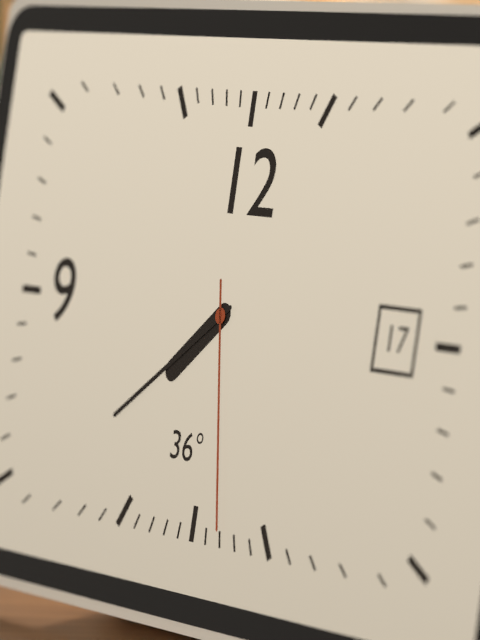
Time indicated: 7,39,28
